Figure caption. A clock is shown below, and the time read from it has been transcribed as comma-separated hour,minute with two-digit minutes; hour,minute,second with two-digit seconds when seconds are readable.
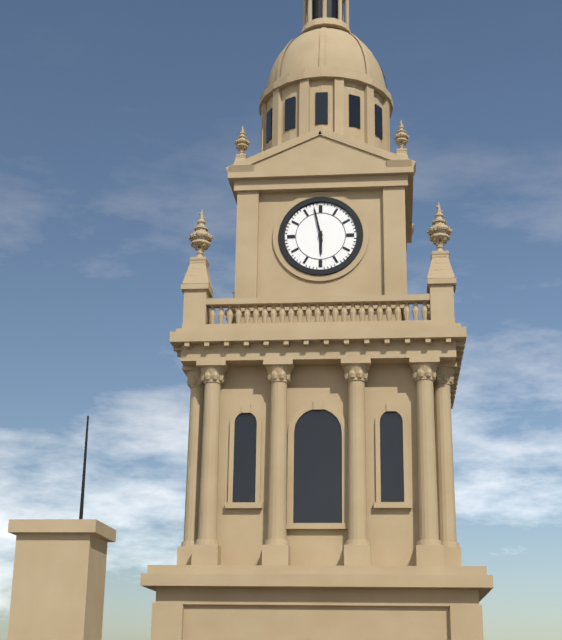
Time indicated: 5,58
